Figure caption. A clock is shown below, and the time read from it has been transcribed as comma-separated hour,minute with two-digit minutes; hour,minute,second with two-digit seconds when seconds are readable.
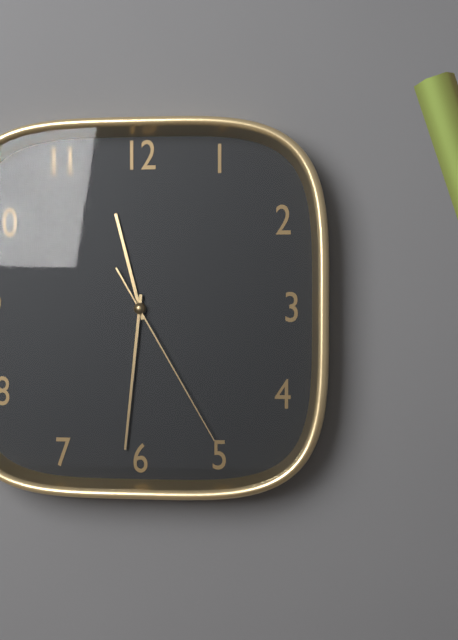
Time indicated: 11,31,25
